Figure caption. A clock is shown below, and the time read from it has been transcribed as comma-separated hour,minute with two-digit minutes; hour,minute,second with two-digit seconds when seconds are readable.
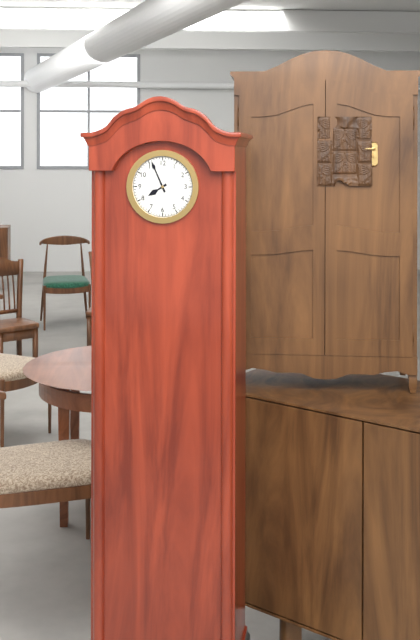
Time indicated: 7,56
